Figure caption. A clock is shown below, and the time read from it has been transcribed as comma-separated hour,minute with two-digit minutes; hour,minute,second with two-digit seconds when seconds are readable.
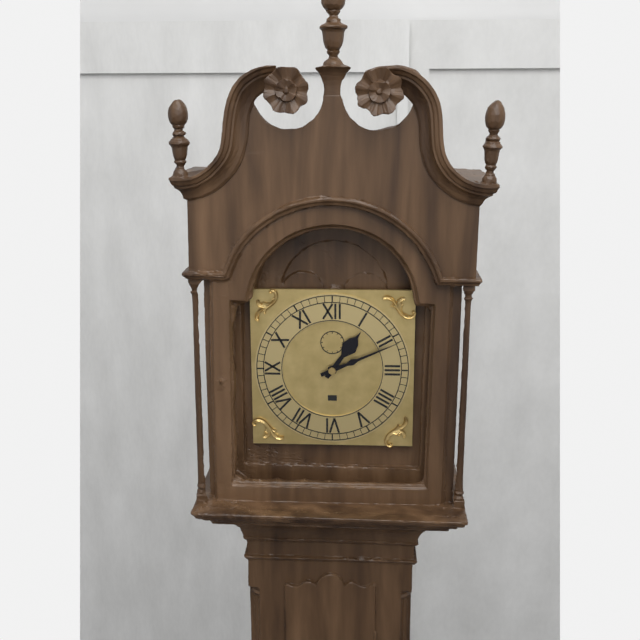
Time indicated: 1,11
